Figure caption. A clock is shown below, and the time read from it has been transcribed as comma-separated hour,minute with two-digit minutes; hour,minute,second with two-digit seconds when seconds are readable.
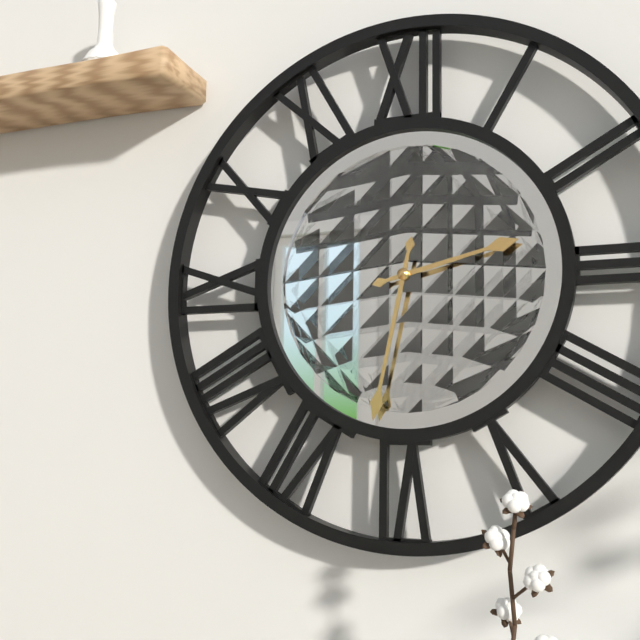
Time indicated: 2,32
